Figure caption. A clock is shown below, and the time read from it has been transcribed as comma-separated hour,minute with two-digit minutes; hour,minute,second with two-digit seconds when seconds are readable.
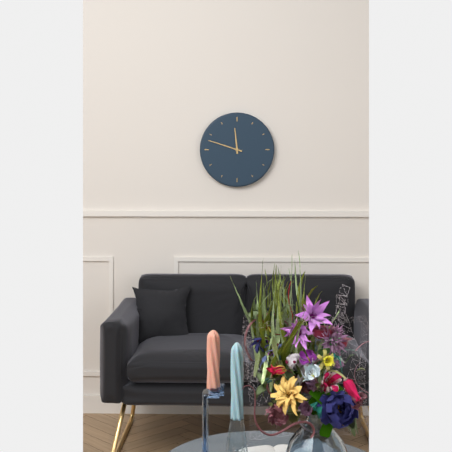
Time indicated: 11,48
